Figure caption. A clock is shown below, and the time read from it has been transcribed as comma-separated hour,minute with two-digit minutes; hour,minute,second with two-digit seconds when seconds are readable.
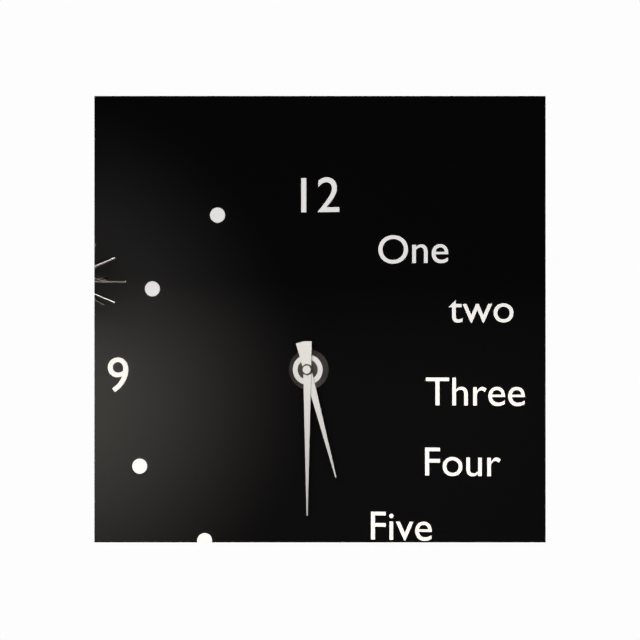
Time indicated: 5,30
